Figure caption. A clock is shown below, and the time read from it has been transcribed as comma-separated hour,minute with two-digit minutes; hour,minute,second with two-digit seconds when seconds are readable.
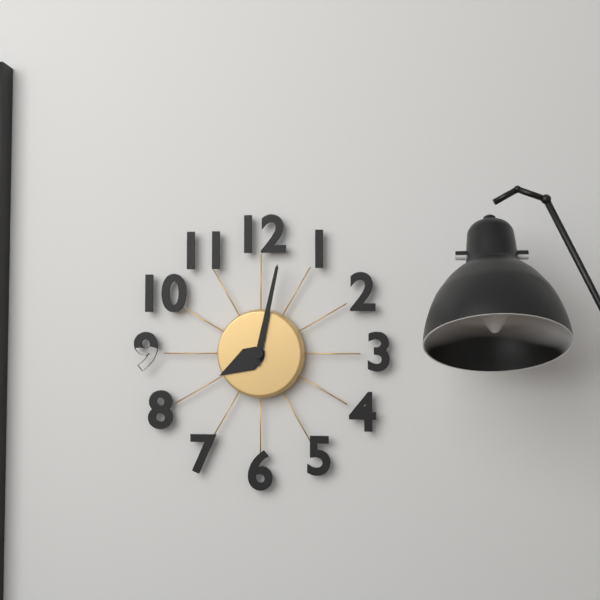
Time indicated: 8,02
